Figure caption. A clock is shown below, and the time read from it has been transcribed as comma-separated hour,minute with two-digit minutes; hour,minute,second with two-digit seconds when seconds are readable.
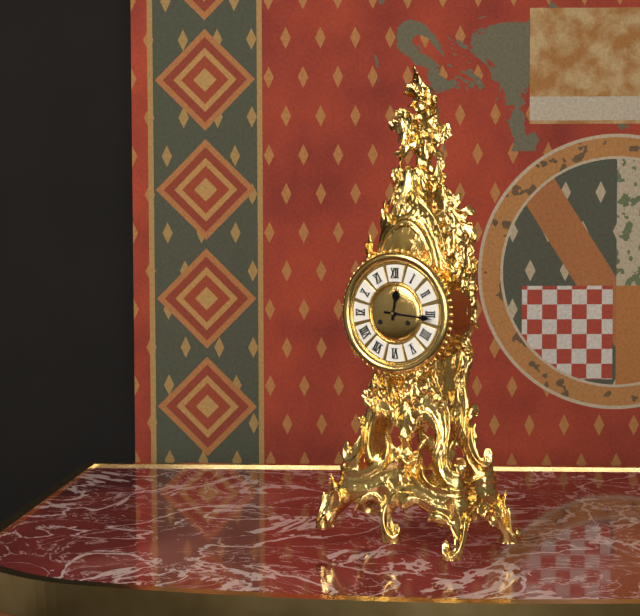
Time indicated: 12,16
